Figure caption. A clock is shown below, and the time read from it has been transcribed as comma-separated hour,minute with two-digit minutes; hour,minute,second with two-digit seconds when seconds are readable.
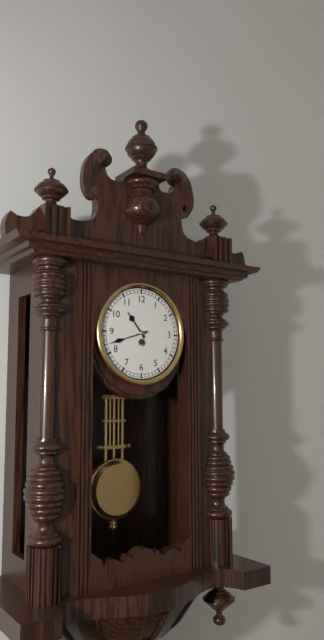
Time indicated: 10,42
